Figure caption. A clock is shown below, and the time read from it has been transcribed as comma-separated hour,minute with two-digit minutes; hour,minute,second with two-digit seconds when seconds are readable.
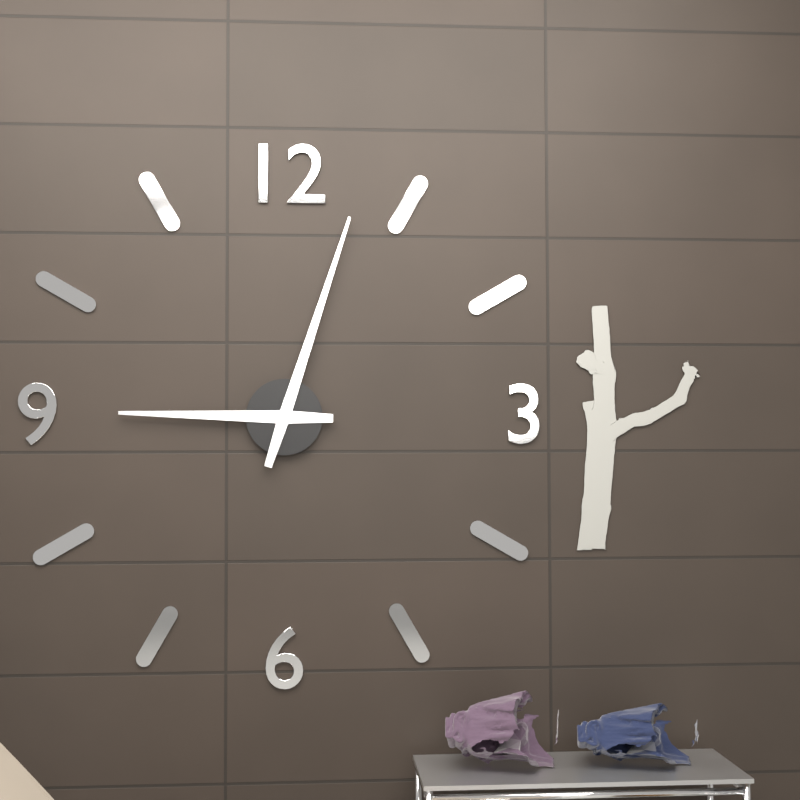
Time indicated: 9,03
